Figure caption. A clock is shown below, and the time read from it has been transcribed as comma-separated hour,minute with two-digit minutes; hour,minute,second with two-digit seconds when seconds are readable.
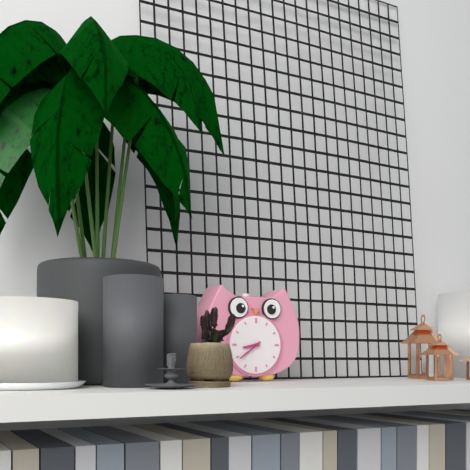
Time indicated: 8,39
